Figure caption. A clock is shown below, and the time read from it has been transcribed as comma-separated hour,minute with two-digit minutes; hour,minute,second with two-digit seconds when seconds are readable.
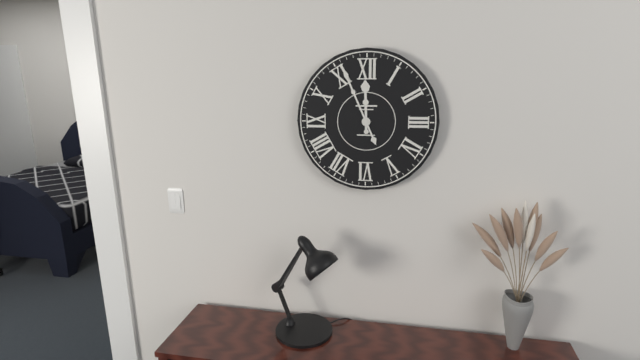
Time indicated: 11,56
